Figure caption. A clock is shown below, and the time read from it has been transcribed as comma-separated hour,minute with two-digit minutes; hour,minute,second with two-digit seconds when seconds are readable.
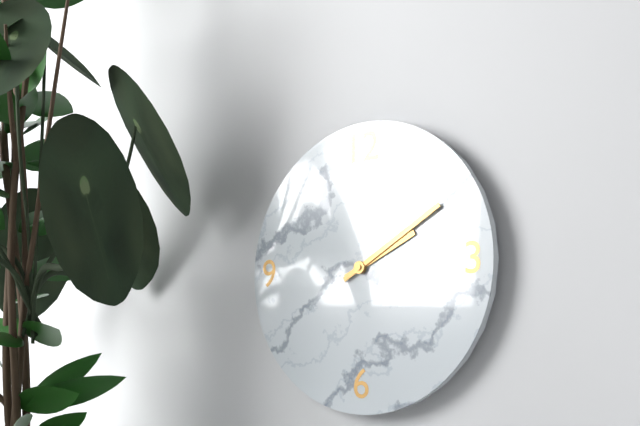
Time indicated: 2,10
